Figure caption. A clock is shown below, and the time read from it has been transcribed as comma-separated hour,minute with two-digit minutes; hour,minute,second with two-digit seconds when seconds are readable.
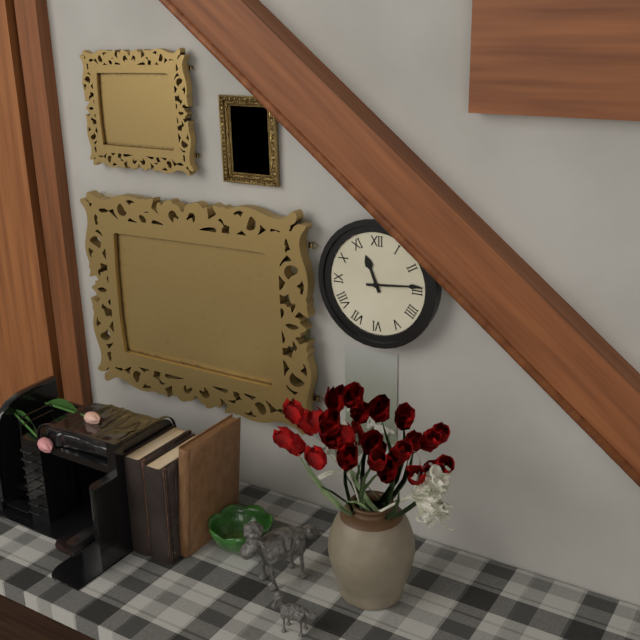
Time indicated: 11,14
